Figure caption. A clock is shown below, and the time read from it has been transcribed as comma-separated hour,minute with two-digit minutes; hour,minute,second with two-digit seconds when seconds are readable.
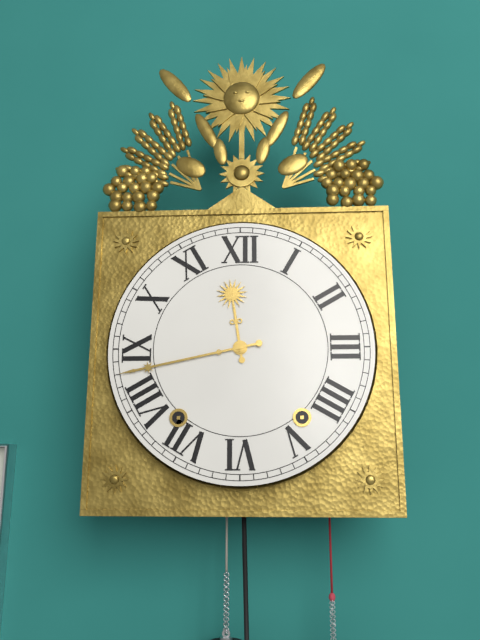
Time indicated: 11,43
